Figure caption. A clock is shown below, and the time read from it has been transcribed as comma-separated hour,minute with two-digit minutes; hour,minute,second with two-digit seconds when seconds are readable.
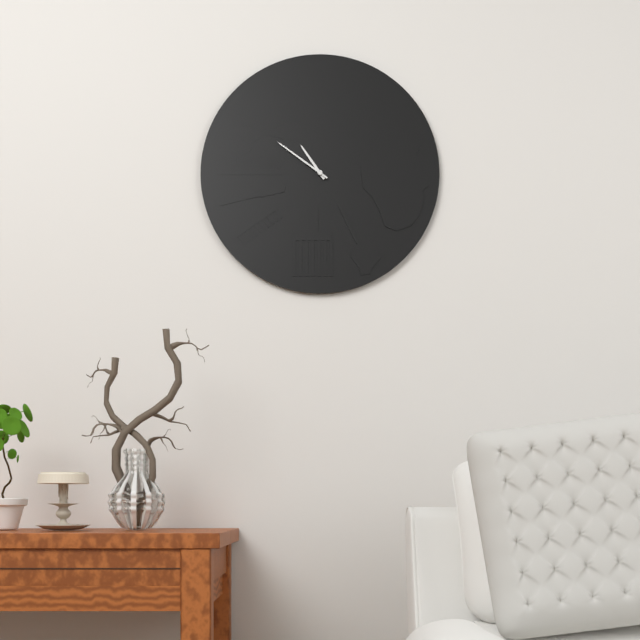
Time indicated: 10,51
